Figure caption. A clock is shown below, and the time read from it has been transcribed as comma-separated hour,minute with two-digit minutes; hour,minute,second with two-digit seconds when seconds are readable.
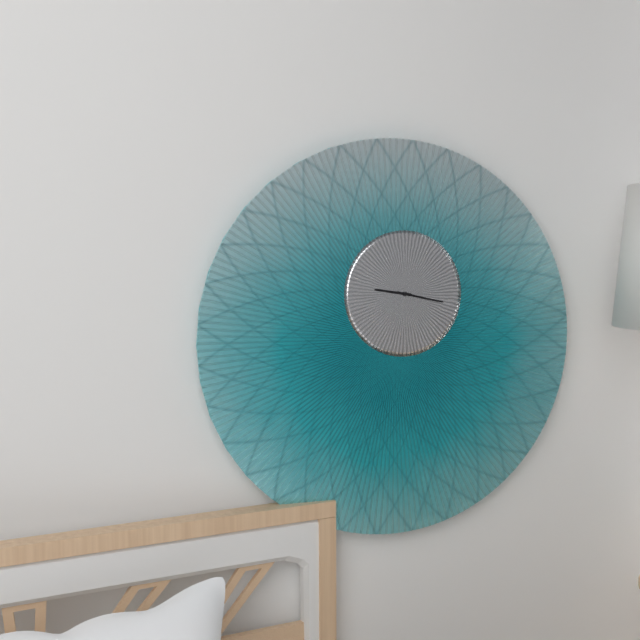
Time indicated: 9,17
